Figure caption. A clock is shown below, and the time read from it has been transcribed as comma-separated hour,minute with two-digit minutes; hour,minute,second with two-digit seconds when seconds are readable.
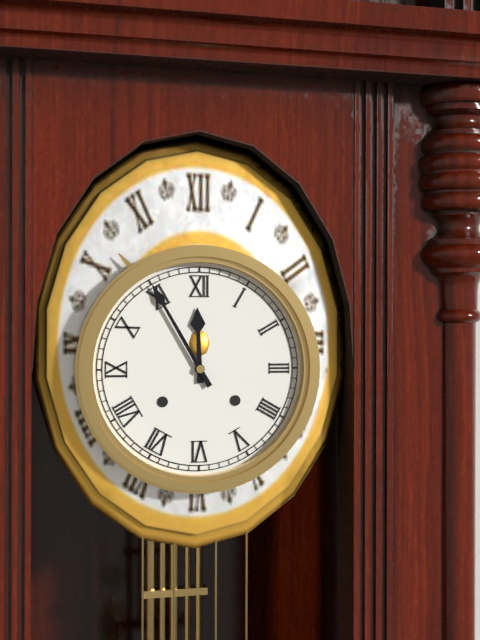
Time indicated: 11,55
